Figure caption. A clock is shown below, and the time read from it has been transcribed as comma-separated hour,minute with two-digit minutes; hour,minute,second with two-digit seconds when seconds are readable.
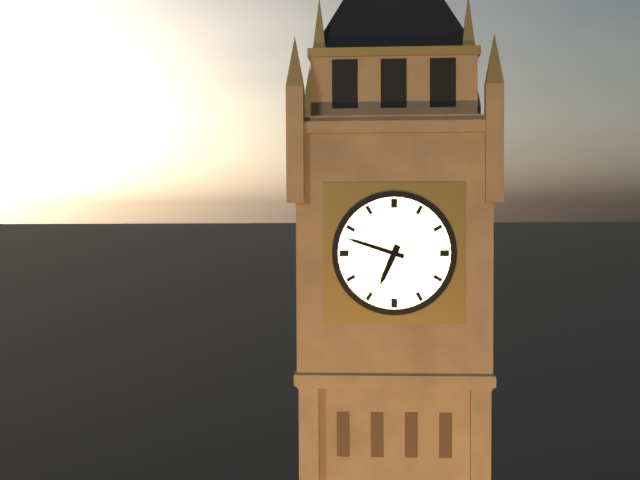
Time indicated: 6,48
